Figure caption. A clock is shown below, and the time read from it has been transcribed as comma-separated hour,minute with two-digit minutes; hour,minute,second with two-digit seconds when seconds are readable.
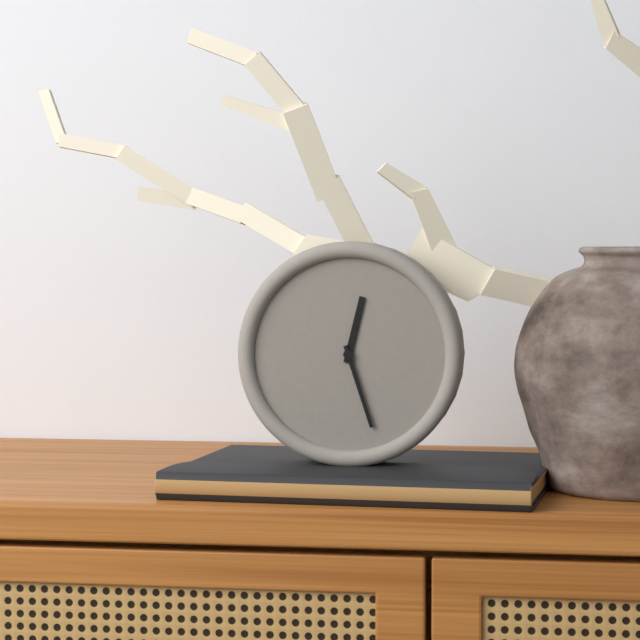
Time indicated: 12,27
